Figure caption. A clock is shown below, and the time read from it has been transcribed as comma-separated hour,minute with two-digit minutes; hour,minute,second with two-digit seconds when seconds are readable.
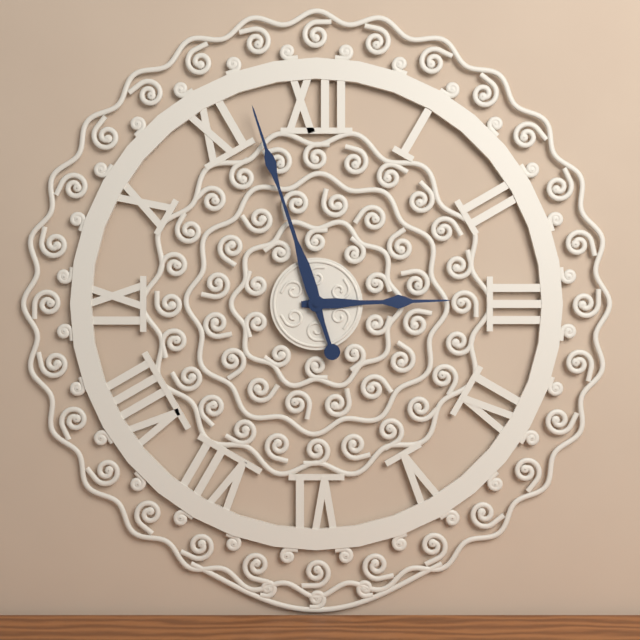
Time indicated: 2,57
